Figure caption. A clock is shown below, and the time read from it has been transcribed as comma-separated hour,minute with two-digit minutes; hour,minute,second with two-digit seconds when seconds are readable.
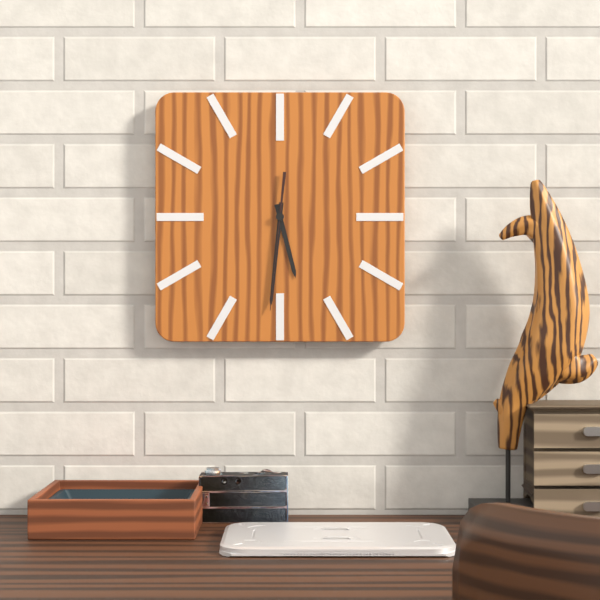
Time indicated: 5,31,31
